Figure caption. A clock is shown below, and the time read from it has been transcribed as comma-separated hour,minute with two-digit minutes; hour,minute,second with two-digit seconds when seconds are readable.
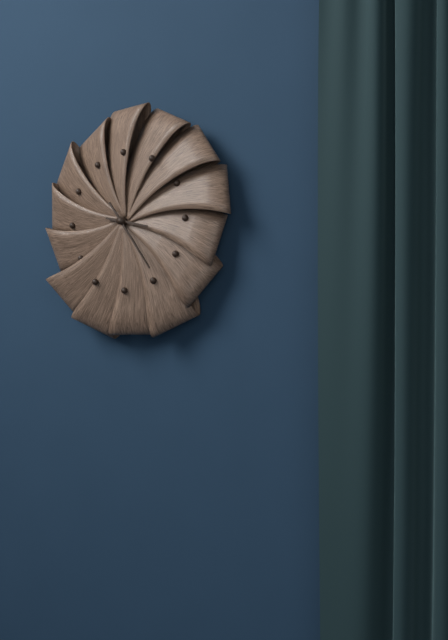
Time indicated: 3,24
